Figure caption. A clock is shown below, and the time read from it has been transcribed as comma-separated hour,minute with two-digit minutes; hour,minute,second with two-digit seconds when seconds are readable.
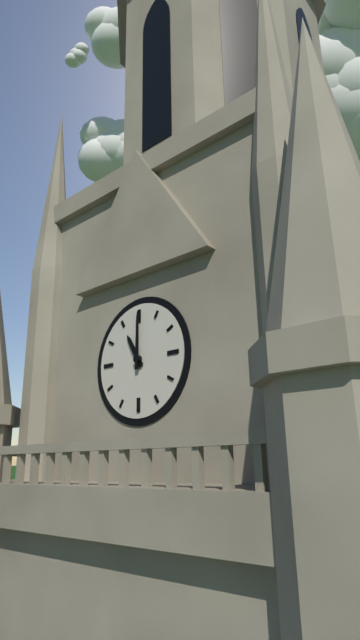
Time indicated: 11,00
